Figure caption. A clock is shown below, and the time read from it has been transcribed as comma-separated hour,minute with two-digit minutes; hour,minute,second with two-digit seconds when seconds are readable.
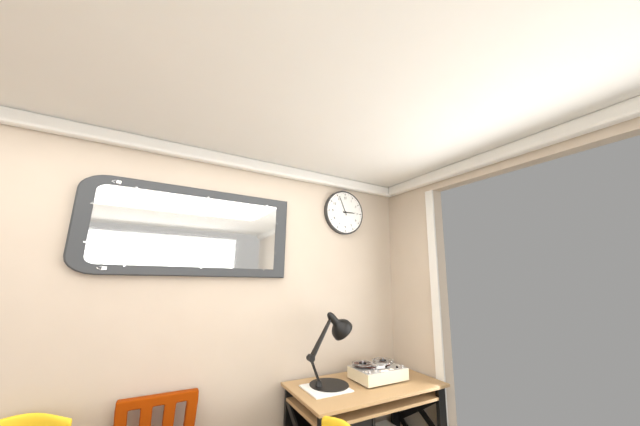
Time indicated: 2,56
